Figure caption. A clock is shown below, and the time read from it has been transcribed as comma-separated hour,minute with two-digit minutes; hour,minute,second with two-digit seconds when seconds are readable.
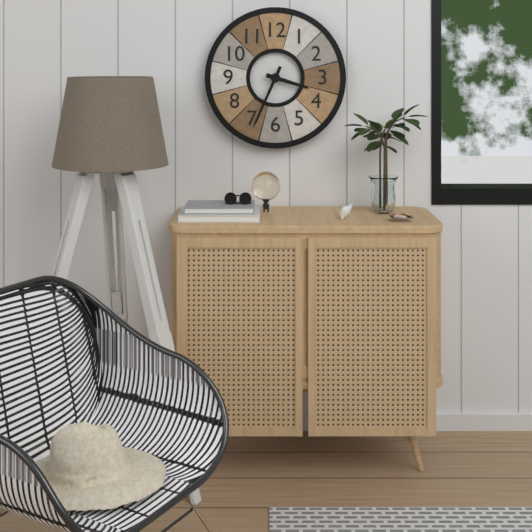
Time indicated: 3,34
